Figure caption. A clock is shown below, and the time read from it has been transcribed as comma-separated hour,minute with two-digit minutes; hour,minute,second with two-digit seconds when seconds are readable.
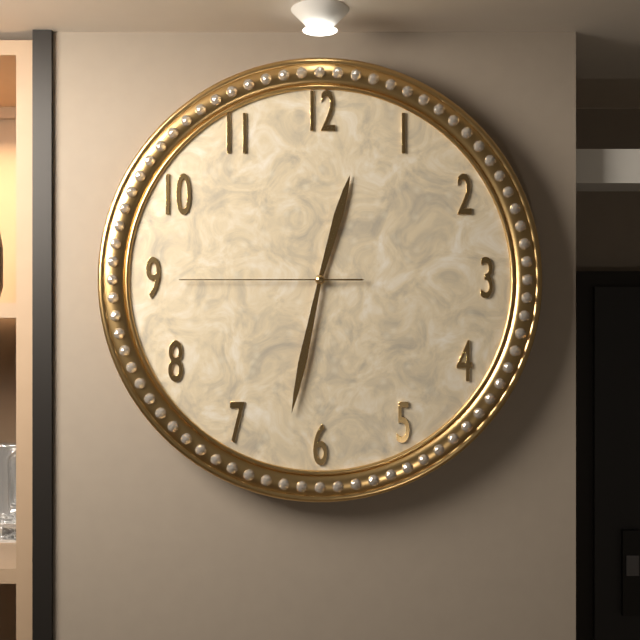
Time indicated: 12,32,45
